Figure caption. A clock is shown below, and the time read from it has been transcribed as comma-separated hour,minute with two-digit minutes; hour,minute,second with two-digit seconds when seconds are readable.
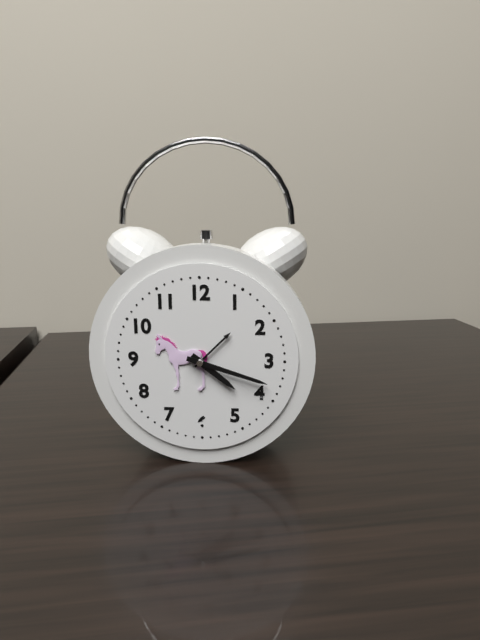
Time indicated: 4,18
